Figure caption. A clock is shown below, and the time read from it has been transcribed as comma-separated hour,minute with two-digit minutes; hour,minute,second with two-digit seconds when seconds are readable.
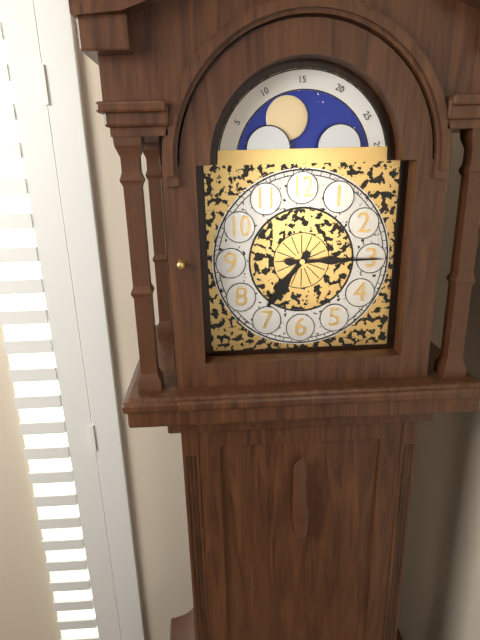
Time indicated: 7,15
